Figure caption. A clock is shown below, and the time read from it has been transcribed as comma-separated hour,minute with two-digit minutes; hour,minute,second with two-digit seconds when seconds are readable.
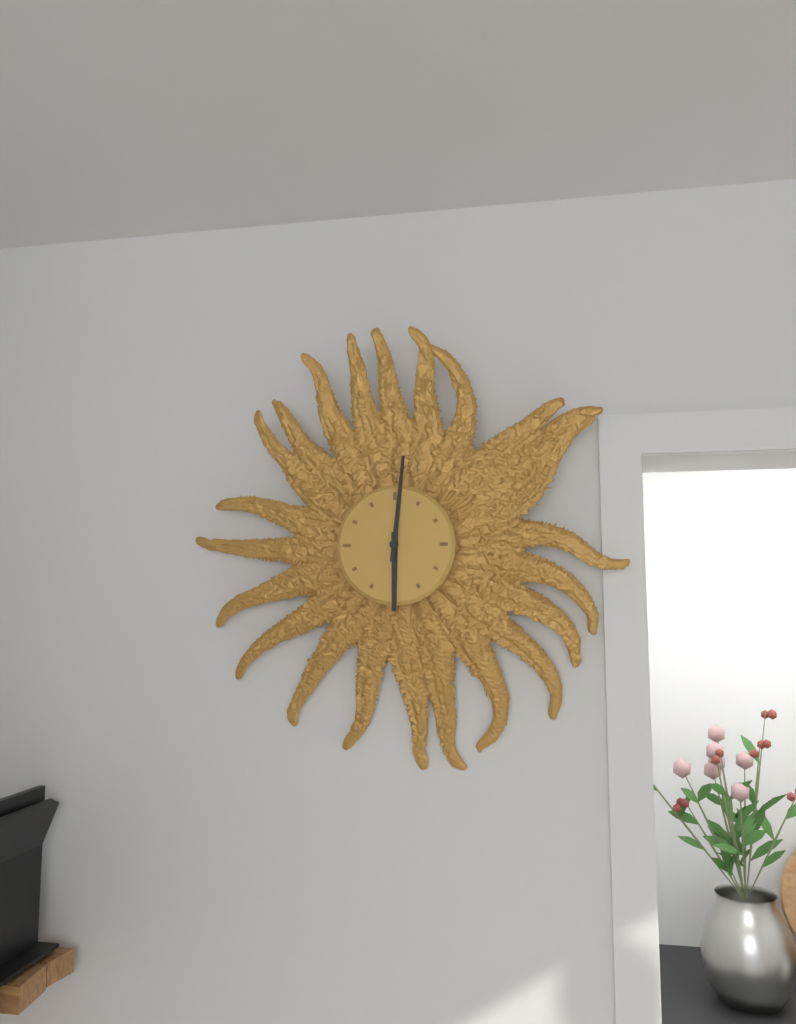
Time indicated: 6,01
